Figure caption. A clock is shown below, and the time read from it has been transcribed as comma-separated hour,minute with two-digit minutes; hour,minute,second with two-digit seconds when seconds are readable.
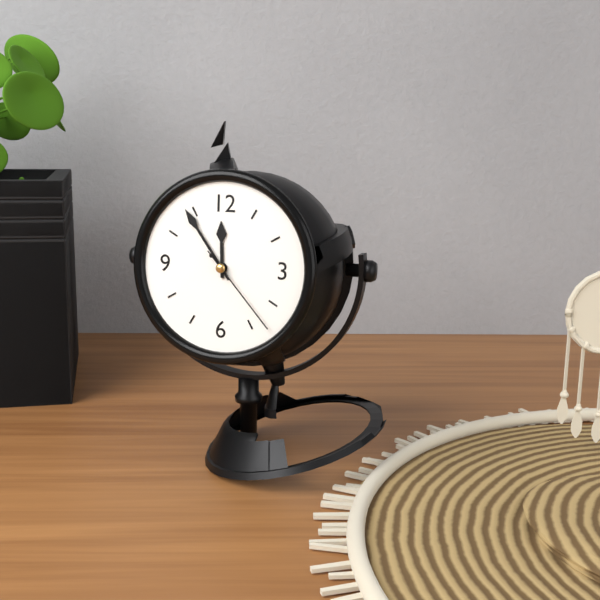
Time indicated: 11,54,23
